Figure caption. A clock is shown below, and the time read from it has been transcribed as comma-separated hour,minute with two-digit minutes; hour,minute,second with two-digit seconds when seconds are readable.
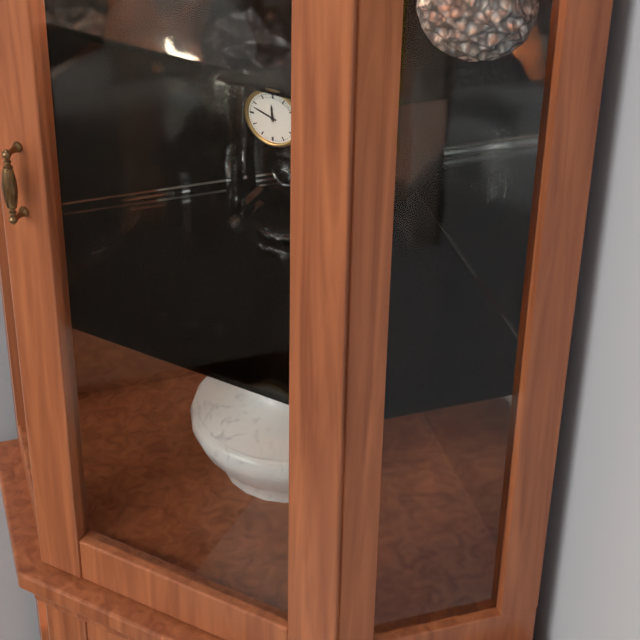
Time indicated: 11,48
